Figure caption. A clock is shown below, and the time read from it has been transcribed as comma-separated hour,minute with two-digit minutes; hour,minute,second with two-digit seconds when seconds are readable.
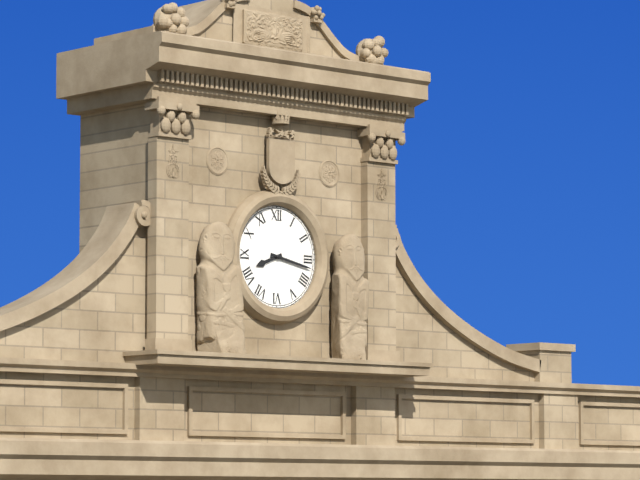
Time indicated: 8,17
